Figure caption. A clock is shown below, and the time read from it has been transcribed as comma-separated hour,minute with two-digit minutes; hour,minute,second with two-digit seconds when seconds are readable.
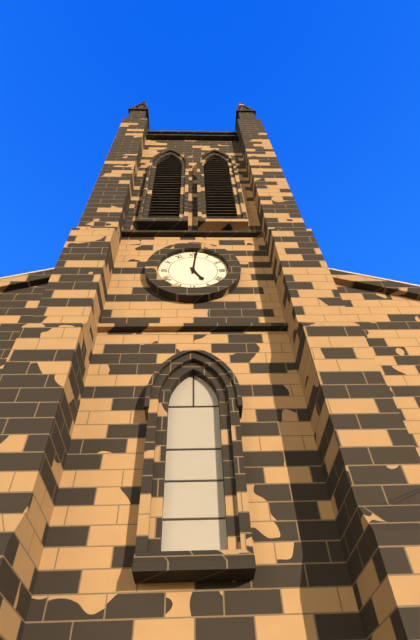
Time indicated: 5,01
